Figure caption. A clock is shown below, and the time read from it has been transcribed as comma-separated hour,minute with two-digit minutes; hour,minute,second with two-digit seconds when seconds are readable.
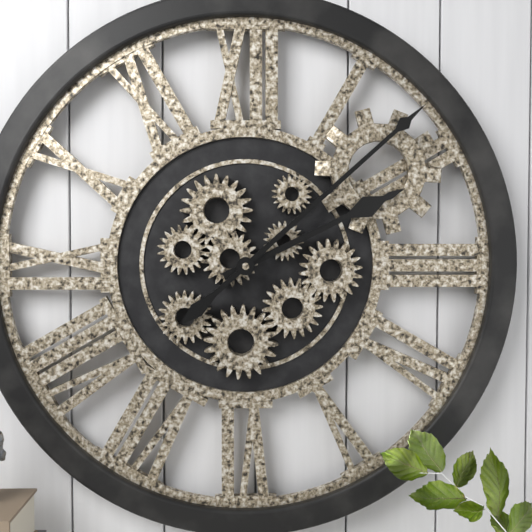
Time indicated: 2,08
